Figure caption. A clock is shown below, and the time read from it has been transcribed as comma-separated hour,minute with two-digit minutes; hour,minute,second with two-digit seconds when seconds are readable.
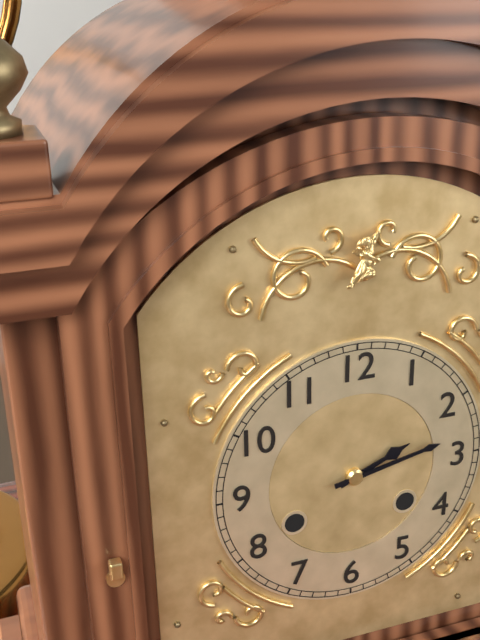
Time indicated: 2,13
